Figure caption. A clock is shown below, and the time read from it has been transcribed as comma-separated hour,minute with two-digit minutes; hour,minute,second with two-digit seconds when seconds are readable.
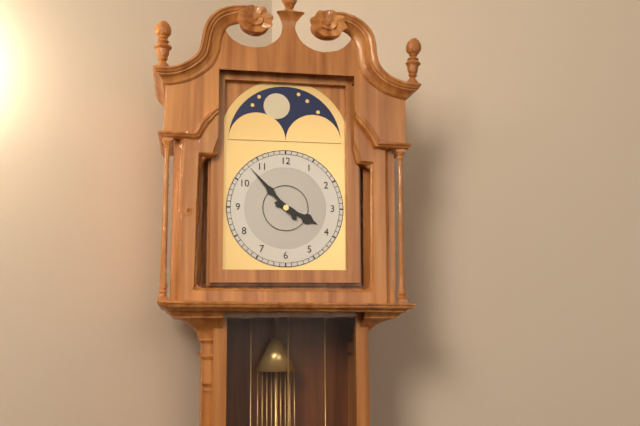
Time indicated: 3,53
